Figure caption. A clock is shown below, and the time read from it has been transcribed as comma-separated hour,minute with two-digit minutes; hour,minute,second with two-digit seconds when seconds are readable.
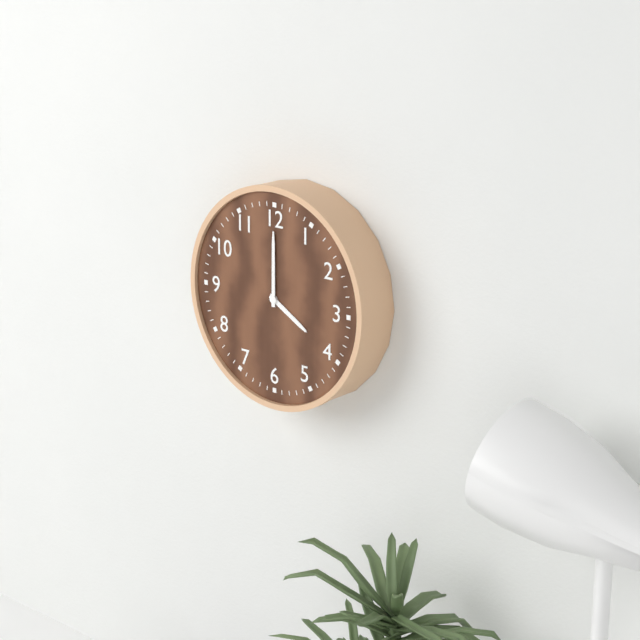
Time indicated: 4,00
